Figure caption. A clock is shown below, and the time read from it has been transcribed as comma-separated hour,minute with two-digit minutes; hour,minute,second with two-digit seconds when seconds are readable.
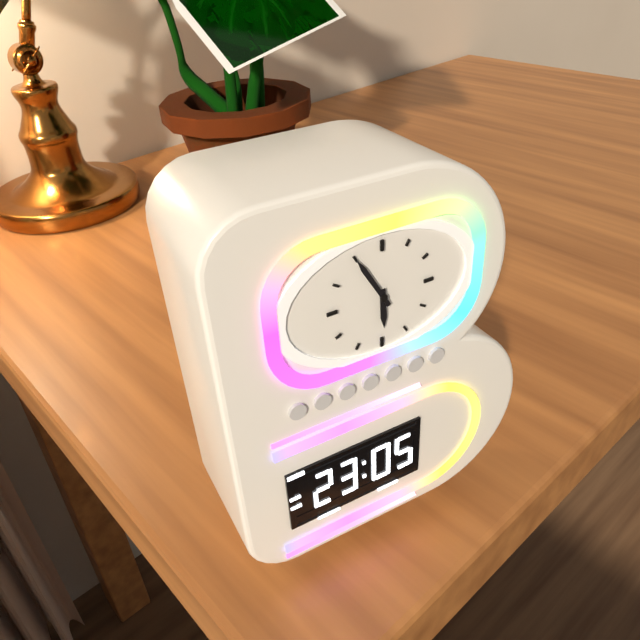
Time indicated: 5,55
